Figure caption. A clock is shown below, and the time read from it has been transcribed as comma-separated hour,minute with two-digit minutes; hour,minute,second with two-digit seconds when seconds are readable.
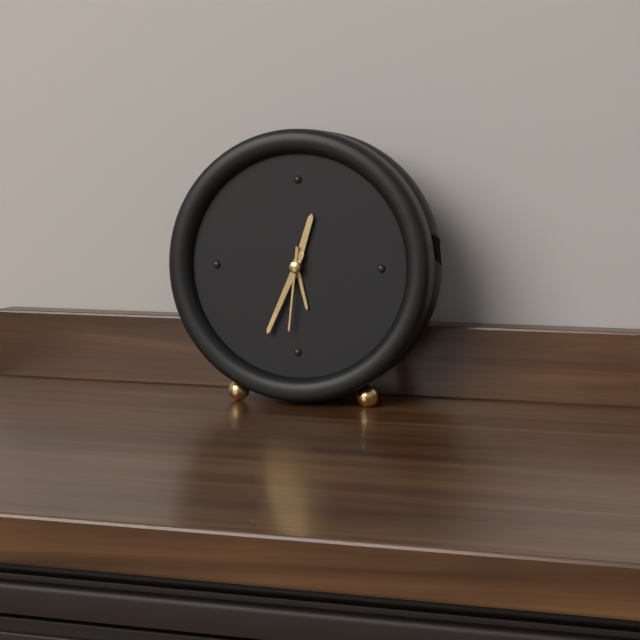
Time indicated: 12,34,31
